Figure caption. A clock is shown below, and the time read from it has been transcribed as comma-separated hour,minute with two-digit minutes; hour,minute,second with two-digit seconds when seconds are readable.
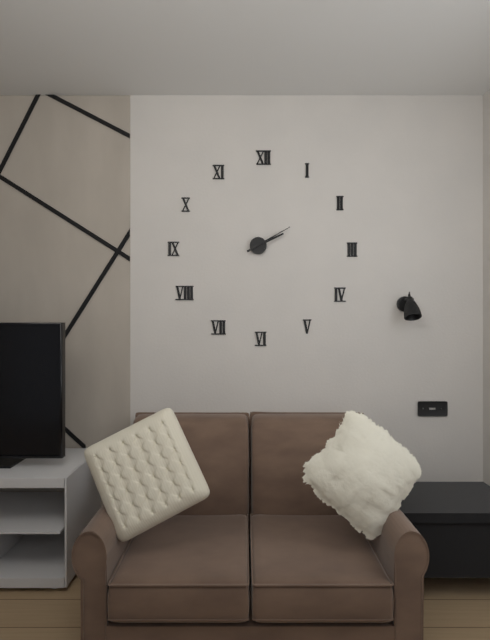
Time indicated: 2,10
